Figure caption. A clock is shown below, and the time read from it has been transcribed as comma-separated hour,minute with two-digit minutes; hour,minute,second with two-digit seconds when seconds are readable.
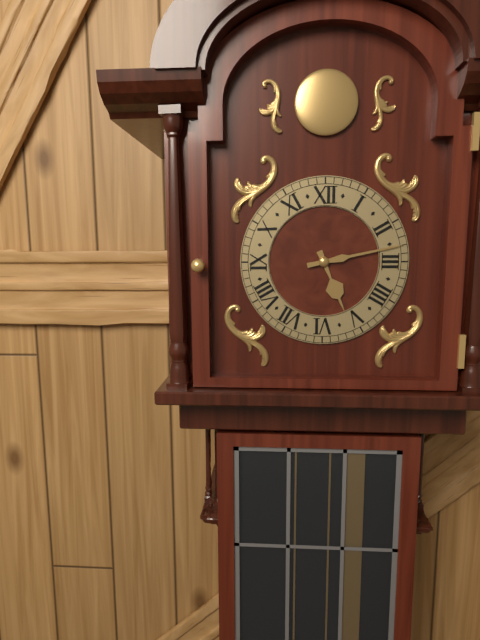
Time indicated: 5,13
